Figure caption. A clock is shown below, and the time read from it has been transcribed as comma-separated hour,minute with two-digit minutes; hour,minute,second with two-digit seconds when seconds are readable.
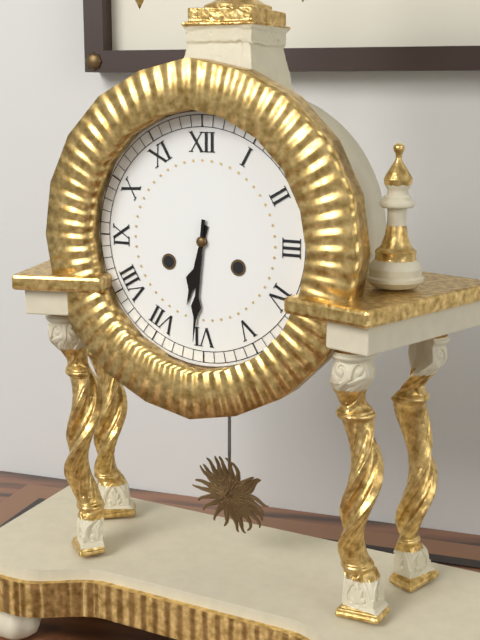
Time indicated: 6,31
